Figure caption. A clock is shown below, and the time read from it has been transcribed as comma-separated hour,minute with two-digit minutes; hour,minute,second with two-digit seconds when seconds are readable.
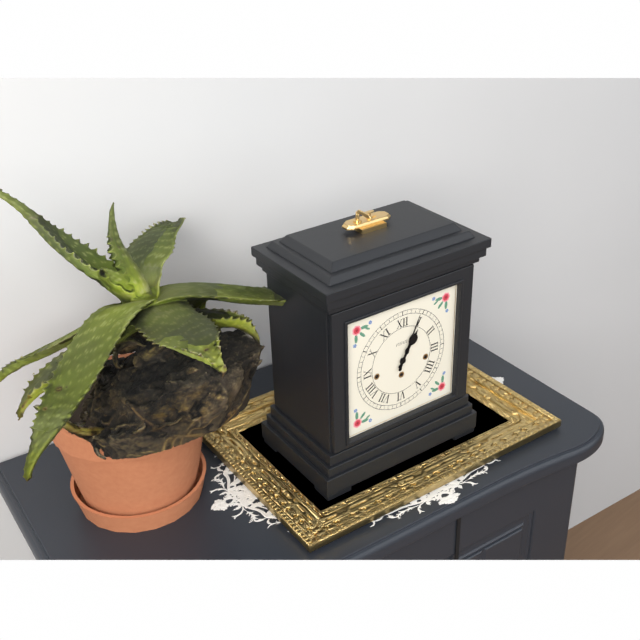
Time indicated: 1,04
